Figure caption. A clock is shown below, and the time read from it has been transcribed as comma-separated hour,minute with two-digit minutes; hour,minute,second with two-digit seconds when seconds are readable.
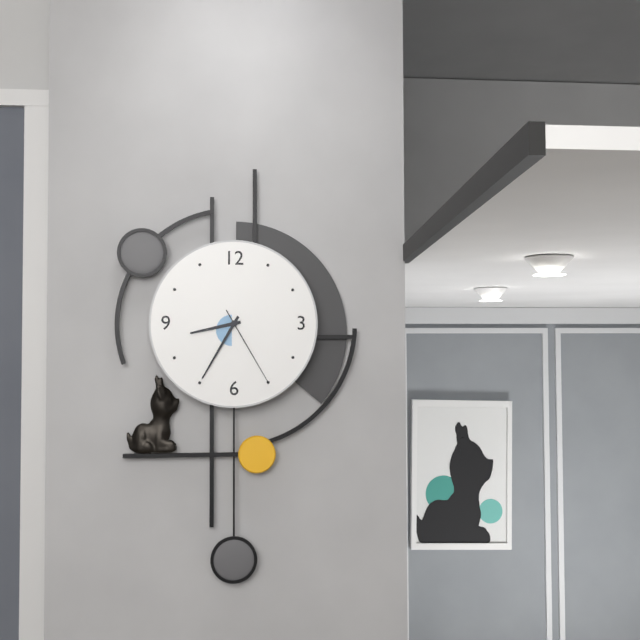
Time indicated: 8,35,25
